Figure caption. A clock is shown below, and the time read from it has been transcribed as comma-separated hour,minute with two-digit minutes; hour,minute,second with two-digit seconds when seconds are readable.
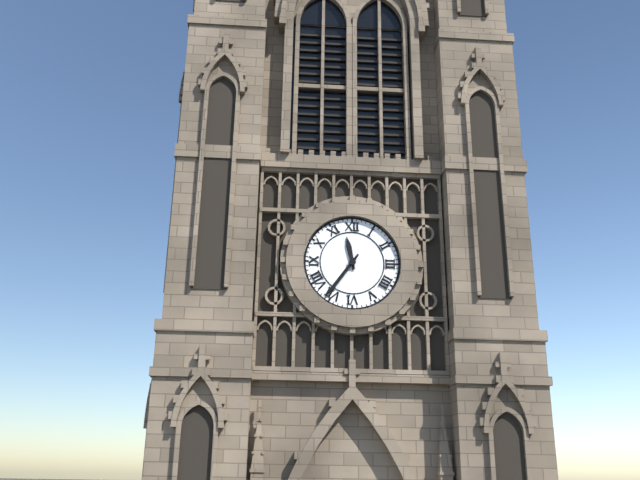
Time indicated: 11,36
